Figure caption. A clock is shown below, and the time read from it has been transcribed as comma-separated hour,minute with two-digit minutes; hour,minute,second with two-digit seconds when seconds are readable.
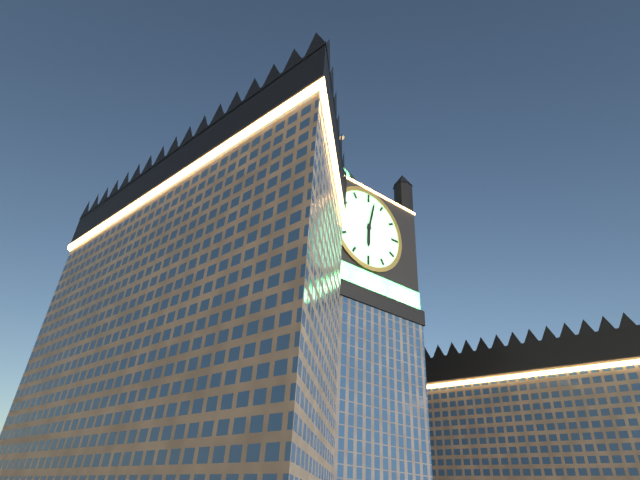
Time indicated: 6,02
